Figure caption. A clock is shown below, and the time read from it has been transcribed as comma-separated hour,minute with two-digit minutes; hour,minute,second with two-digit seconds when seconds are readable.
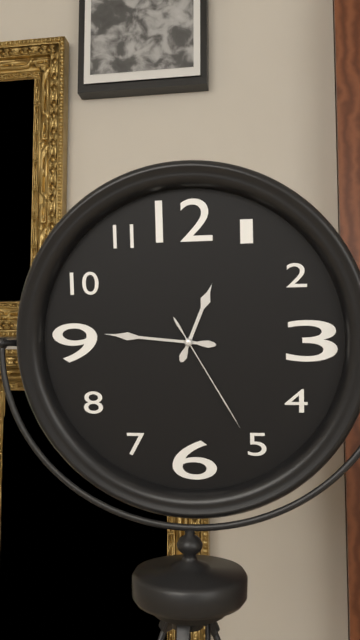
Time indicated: 12,46,25
